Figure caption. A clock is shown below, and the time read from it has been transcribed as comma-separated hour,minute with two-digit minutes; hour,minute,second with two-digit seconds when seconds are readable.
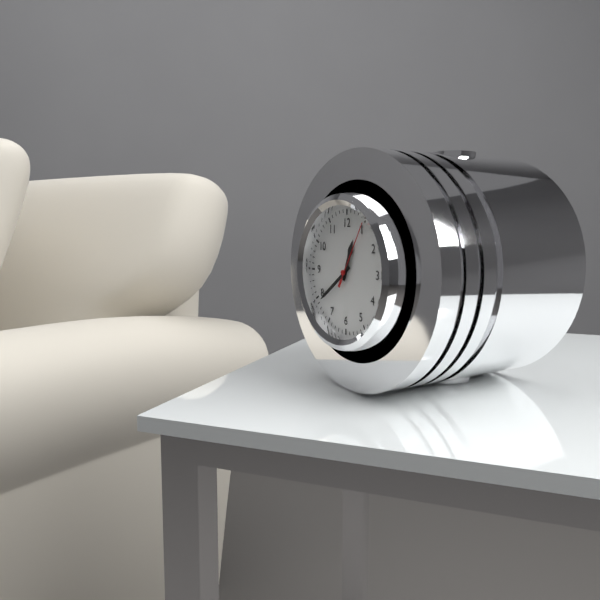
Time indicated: 12,39,05
